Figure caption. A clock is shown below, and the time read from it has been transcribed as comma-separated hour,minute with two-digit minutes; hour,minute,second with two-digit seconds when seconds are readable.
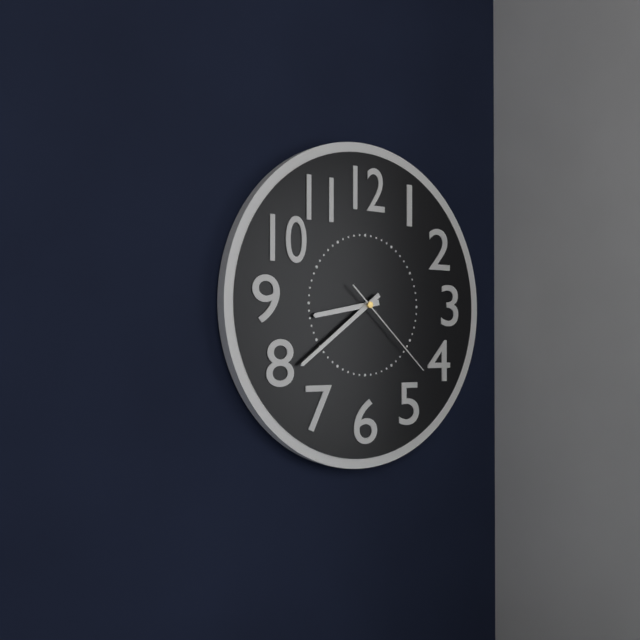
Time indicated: 8,39,22
